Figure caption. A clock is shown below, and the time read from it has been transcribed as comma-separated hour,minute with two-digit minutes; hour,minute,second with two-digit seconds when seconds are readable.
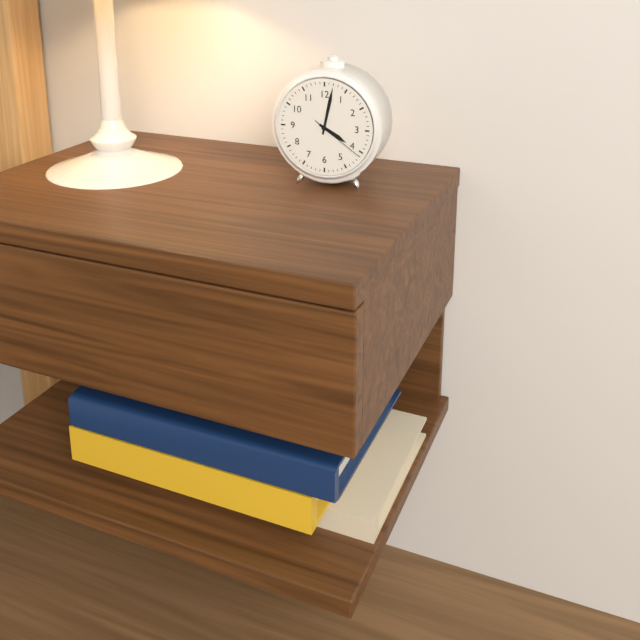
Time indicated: 4,02,21
